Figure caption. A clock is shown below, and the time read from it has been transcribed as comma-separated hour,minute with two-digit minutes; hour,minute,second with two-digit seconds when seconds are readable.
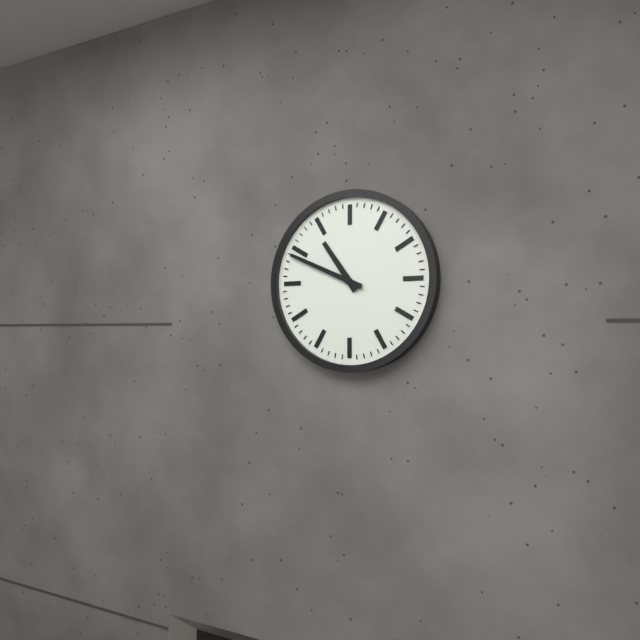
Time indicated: 10,49
